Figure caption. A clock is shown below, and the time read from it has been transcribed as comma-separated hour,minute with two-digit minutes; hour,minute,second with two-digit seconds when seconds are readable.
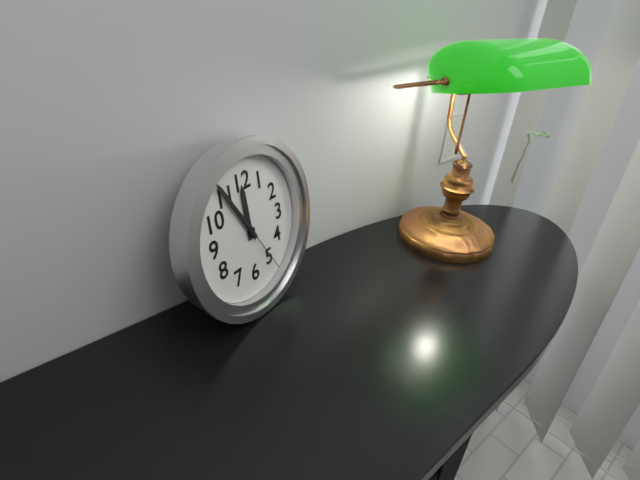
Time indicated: 11,55,25
